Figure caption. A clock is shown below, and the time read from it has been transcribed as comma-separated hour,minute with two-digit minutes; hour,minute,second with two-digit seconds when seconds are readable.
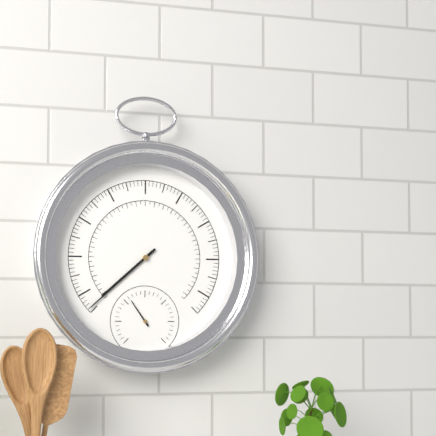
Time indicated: 7,38
